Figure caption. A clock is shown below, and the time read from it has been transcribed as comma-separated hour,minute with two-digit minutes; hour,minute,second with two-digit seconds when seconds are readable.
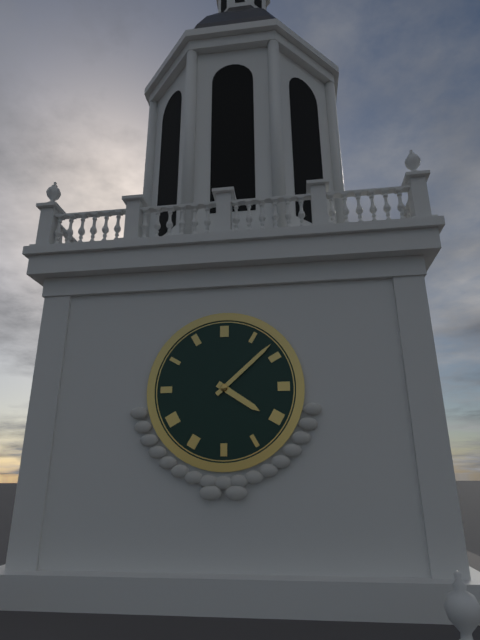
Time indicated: 4,08
